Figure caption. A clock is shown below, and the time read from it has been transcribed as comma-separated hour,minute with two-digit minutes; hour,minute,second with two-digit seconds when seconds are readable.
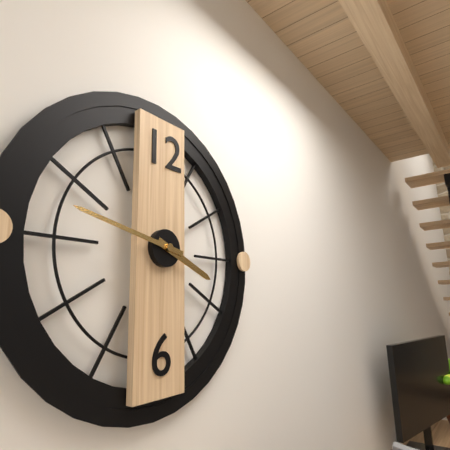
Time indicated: 3,47
